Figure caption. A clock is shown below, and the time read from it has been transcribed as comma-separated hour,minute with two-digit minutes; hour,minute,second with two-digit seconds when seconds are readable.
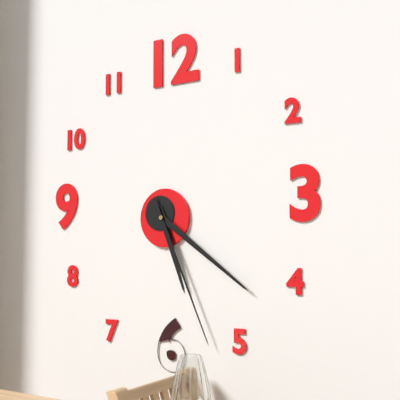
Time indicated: 5,21,26
